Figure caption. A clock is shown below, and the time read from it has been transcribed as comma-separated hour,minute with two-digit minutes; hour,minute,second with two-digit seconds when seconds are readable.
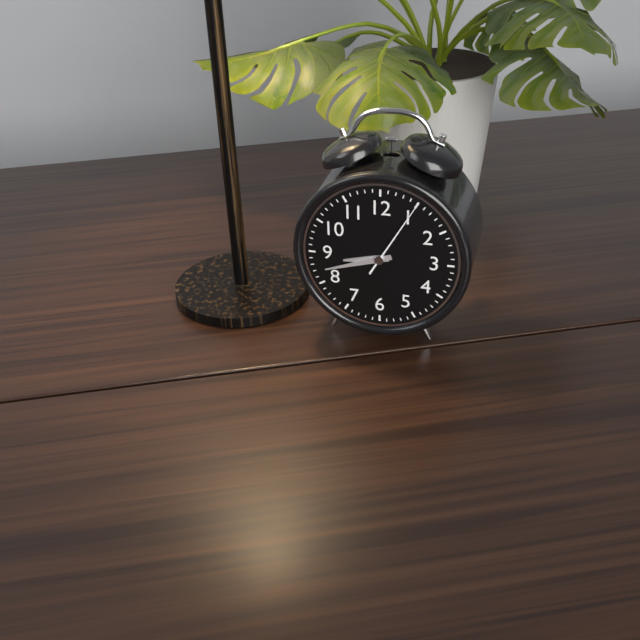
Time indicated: 8,42,05
